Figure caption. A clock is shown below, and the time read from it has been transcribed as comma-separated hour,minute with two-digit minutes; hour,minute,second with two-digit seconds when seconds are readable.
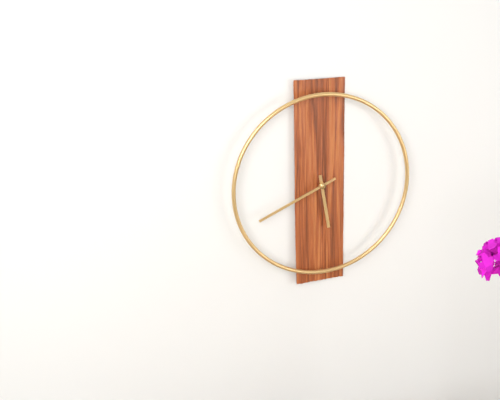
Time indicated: 5,41
